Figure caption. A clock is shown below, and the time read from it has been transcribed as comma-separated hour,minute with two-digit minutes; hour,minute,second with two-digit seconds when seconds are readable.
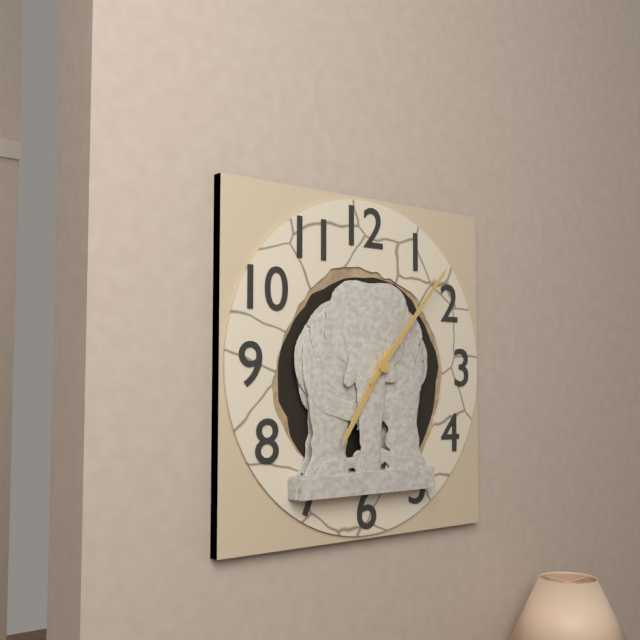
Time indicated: 7,07
